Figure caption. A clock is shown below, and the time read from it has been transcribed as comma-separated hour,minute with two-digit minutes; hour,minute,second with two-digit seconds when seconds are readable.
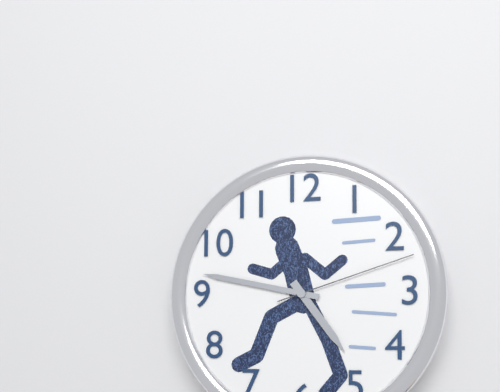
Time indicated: 4,47,12
